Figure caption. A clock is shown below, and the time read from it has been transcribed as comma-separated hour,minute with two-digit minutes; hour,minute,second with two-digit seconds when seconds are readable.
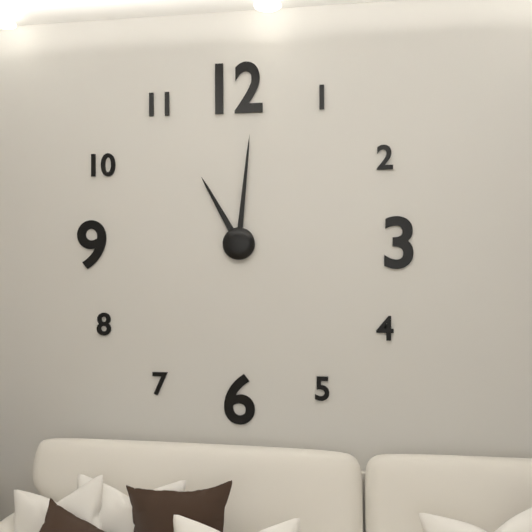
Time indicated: 11,01
